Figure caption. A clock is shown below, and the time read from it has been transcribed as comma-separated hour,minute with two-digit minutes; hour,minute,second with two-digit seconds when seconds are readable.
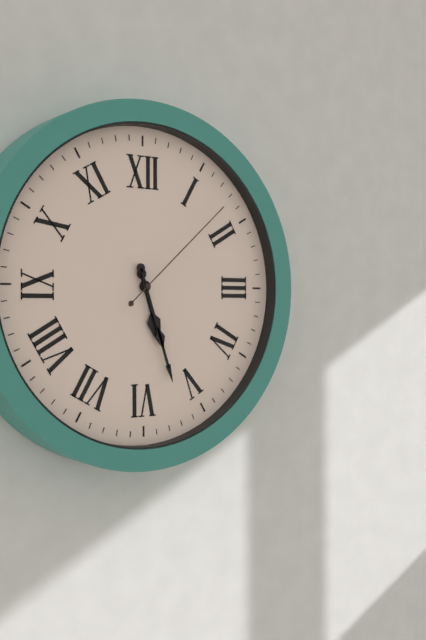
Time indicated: 5,27,08
